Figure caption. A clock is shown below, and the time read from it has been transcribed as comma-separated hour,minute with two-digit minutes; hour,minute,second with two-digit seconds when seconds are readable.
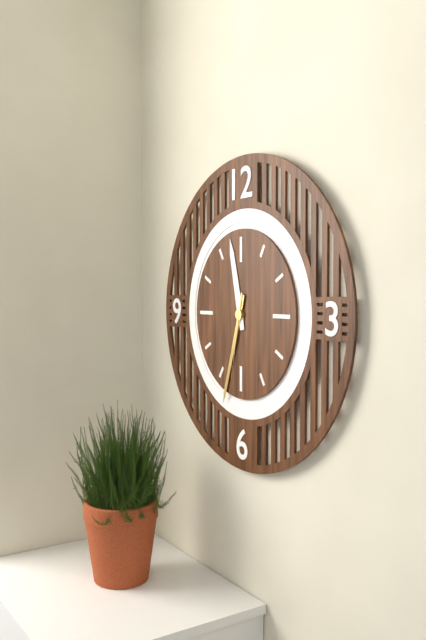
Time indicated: 11,33,32
